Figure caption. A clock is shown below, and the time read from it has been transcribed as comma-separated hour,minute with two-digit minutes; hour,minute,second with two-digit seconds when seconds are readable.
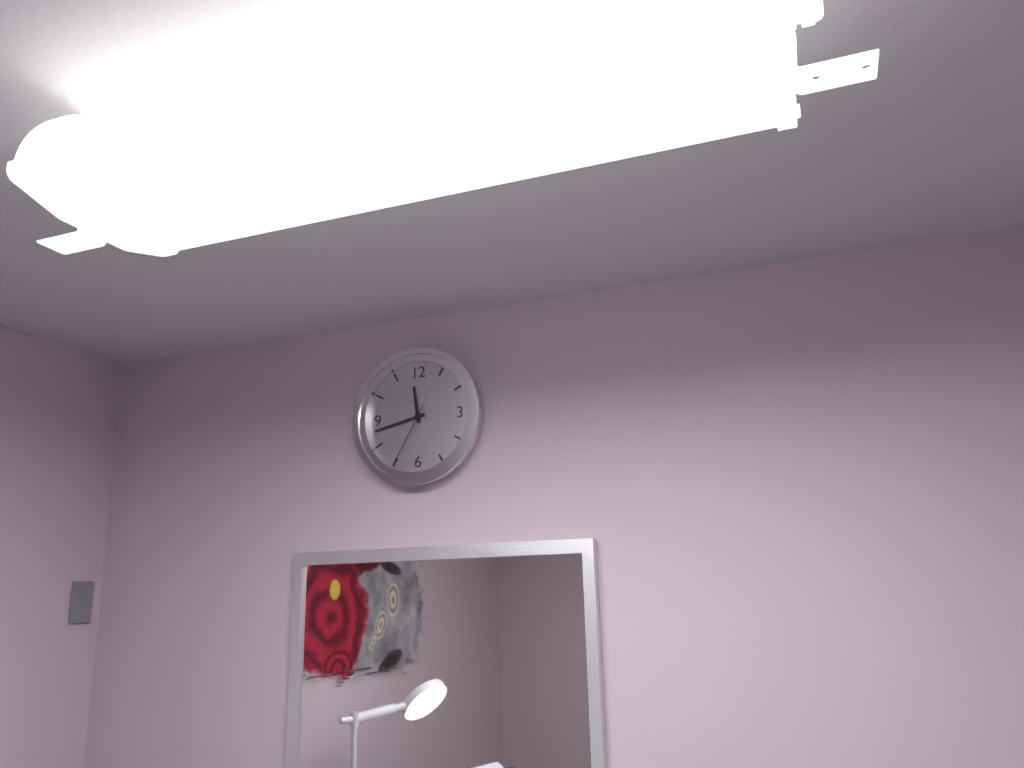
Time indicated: 11,43,35
